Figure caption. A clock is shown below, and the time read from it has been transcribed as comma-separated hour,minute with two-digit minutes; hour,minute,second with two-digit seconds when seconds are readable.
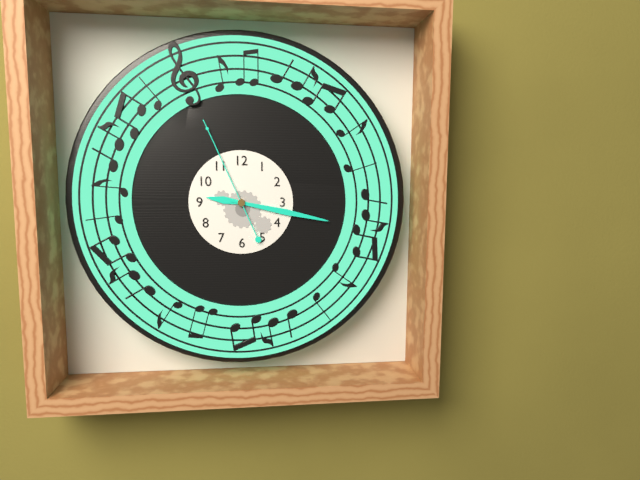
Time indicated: 9,17,56
